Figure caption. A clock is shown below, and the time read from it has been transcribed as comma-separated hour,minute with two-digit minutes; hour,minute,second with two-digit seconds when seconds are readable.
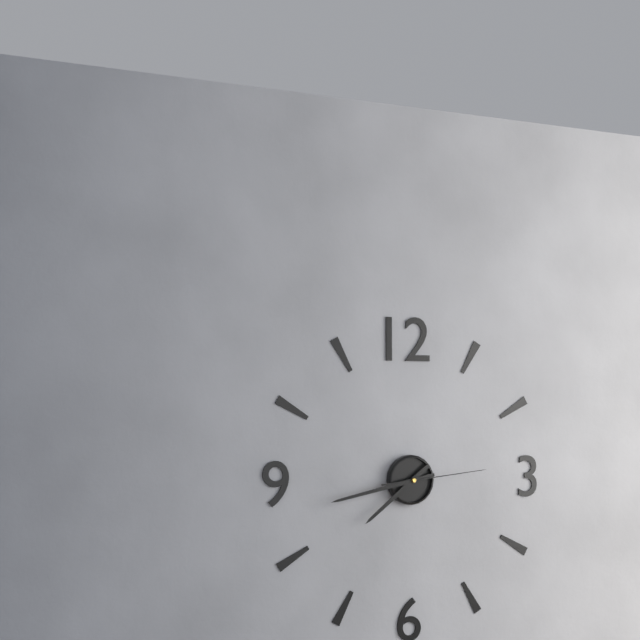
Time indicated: 7,43,14
